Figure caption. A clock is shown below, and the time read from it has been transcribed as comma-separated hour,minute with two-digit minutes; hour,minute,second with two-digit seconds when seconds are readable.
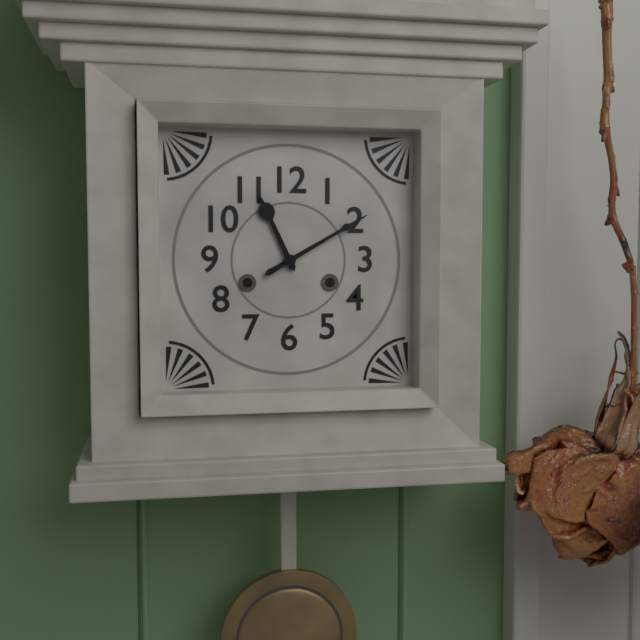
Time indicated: 11,10
